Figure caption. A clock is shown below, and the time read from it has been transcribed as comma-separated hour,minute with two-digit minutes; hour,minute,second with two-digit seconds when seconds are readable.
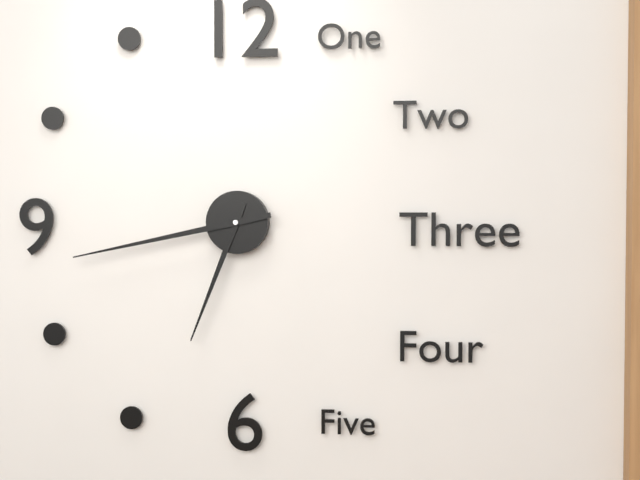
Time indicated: 6,43
